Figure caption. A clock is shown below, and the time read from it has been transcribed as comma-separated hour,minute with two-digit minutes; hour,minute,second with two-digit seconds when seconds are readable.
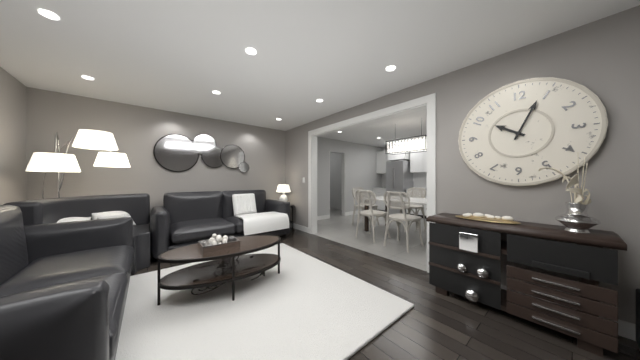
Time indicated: 10,04
